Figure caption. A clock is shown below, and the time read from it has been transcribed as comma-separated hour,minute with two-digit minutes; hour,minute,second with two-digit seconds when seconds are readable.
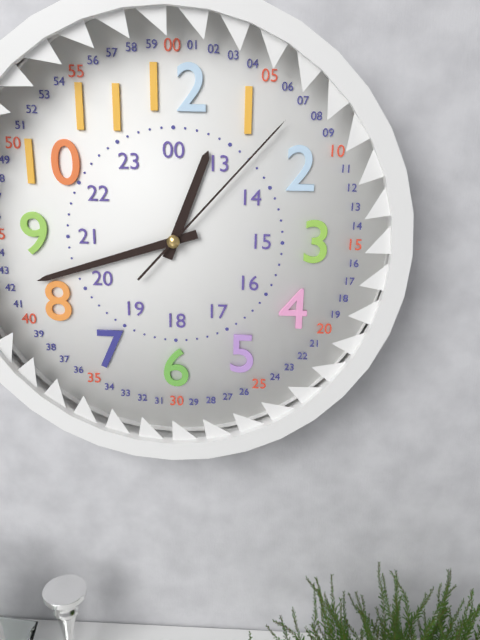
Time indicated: 12,42,07
